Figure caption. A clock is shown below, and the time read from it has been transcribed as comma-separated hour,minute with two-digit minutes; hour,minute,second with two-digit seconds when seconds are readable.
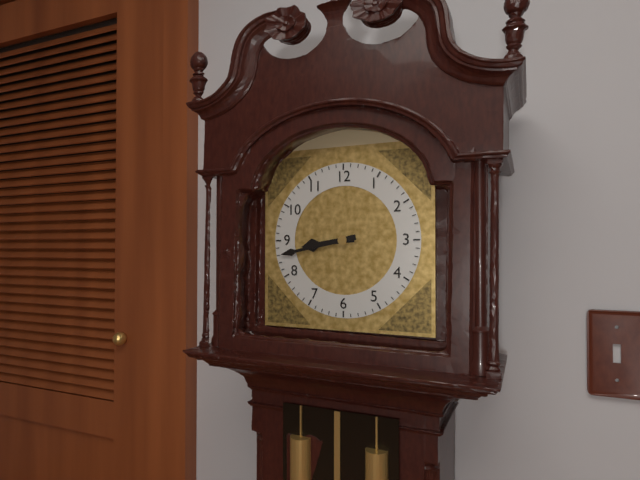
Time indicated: 8,43
